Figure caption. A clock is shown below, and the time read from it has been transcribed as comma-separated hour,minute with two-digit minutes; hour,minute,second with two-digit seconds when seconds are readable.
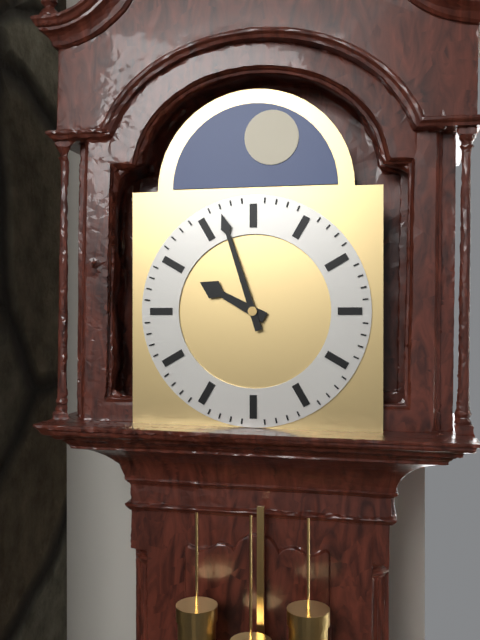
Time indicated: 9,57
